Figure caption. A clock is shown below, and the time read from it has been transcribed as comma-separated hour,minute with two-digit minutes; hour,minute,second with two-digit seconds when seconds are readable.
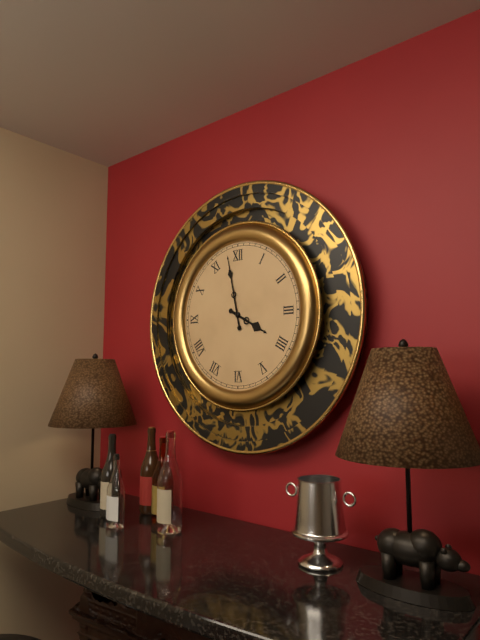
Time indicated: 3,58
